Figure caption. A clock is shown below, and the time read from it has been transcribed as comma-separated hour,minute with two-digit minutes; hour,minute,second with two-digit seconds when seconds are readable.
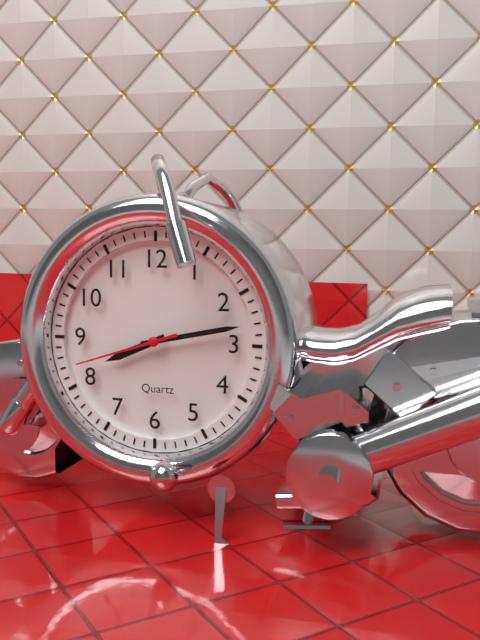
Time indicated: 8,13,42
